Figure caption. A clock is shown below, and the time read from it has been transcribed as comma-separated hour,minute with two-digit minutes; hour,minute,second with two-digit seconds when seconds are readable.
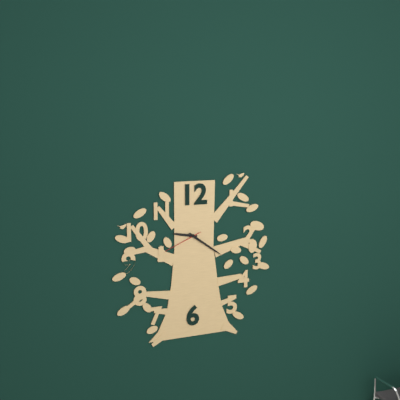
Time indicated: 9,21
